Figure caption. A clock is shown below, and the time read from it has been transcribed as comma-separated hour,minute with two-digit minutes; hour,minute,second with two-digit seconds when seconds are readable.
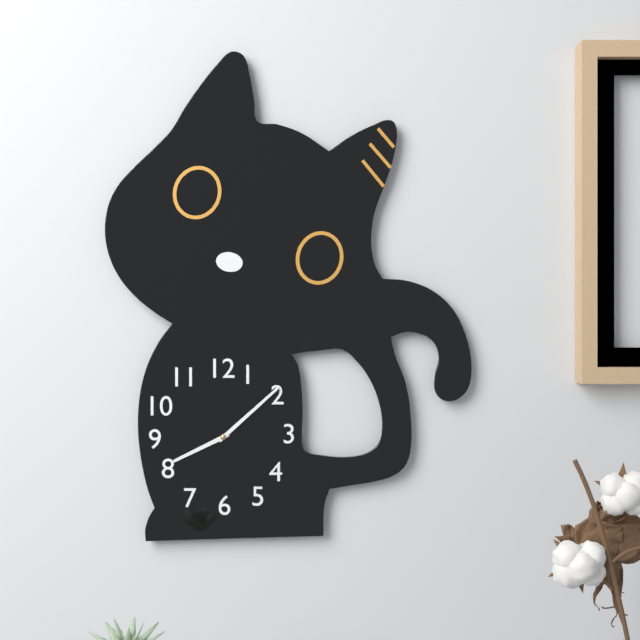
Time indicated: 8,08
